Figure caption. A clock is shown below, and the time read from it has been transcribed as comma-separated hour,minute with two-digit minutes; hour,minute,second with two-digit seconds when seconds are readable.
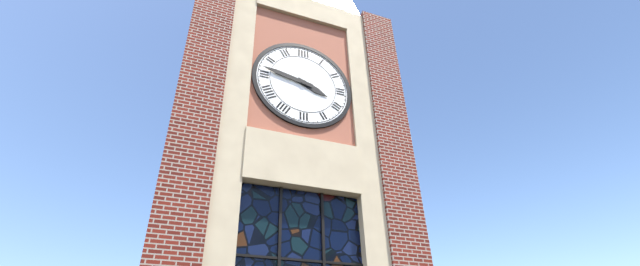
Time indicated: 3,47
